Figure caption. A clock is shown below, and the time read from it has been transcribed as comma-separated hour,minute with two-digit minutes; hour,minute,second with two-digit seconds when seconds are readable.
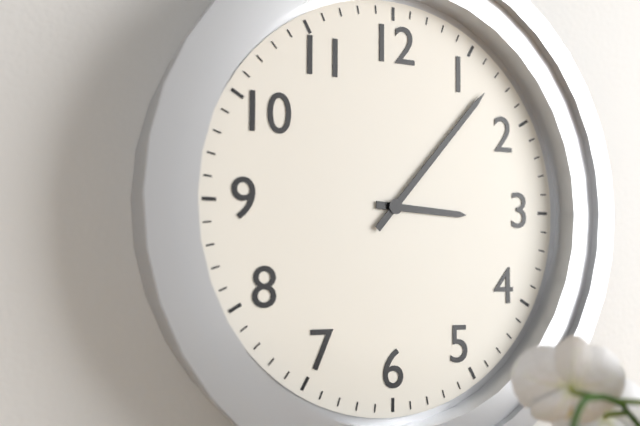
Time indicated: 3,07
